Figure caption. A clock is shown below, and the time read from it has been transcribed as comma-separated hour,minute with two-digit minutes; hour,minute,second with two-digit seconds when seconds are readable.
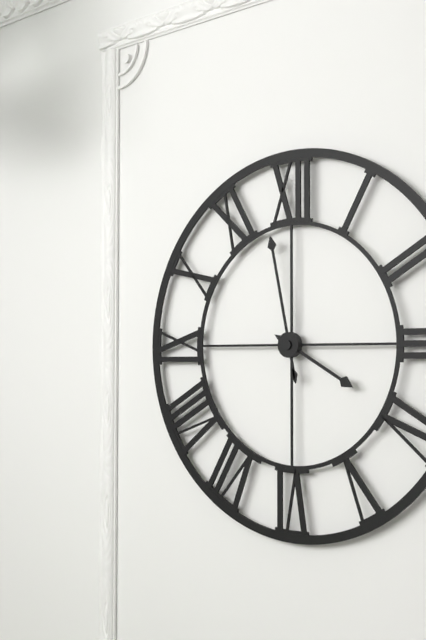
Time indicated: 3,58
